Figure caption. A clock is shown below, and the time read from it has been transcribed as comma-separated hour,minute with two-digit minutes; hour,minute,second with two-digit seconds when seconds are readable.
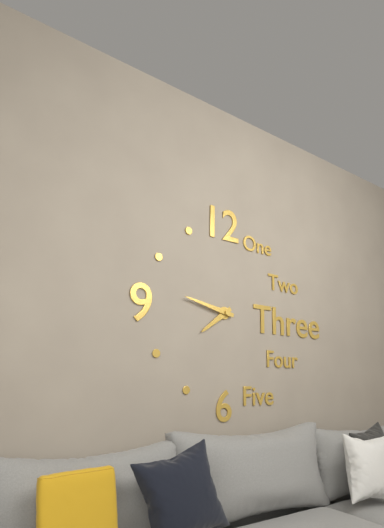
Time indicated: 7,47
